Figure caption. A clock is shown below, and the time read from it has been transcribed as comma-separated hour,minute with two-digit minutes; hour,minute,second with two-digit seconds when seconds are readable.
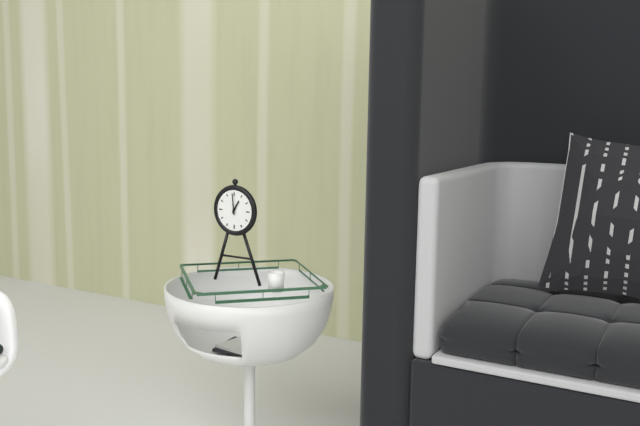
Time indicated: 12,59
